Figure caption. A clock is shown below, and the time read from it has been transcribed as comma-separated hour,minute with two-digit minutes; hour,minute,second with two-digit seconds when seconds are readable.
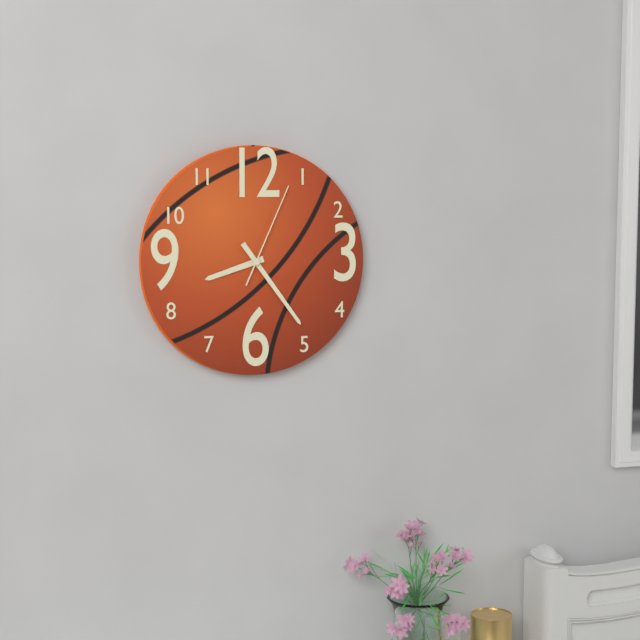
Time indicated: 8,24,04
